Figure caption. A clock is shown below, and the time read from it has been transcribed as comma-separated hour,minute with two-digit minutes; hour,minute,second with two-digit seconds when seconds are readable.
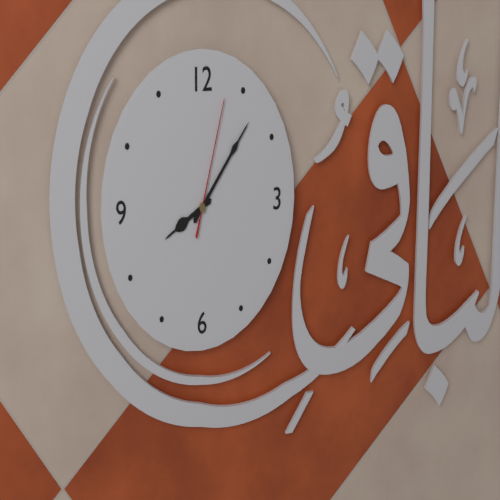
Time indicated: 8,07,03
